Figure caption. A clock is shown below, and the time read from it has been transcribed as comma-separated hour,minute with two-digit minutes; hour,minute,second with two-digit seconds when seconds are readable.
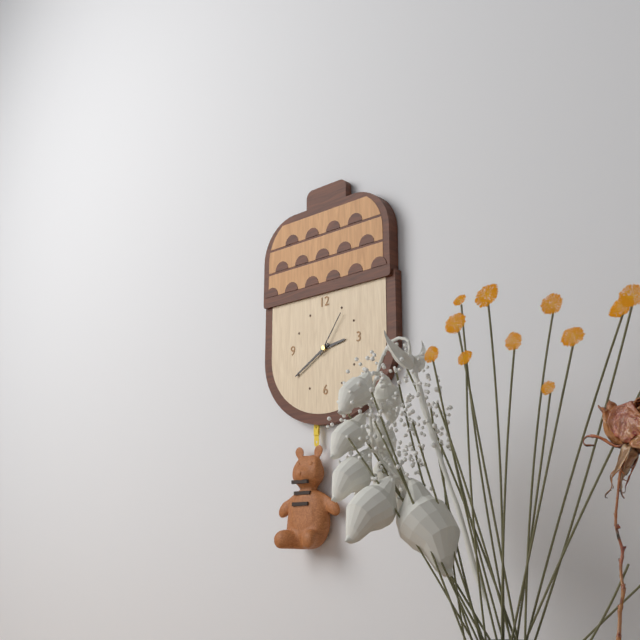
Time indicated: 2,40
